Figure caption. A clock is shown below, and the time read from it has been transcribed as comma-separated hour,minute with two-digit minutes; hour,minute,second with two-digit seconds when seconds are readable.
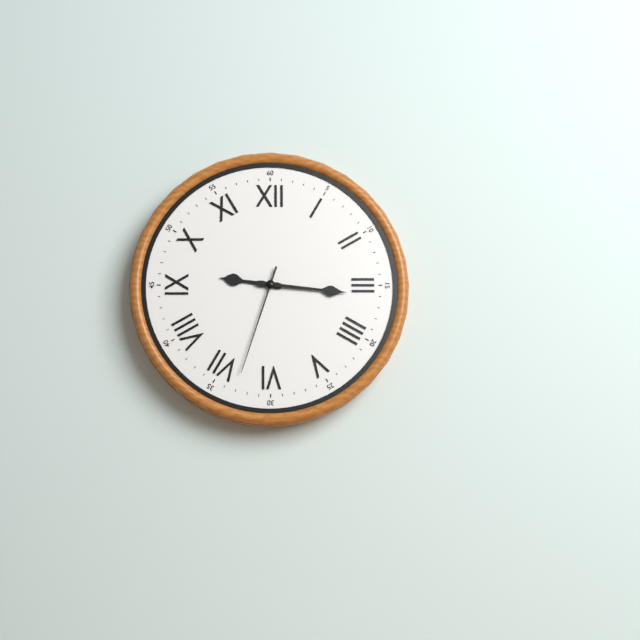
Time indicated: 9,16,33
